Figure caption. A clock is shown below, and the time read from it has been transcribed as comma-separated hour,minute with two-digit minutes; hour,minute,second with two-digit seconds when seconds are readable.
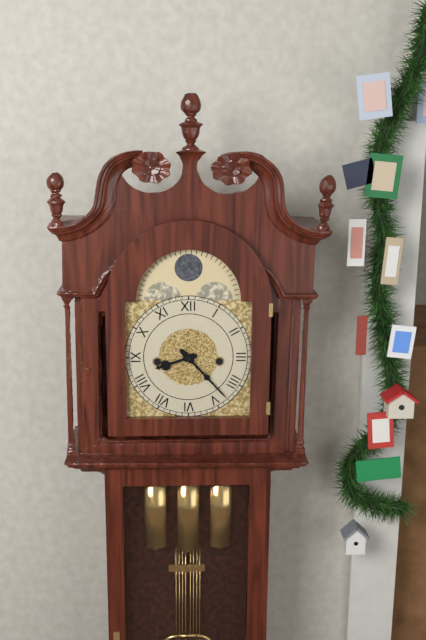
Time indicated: 8,23
